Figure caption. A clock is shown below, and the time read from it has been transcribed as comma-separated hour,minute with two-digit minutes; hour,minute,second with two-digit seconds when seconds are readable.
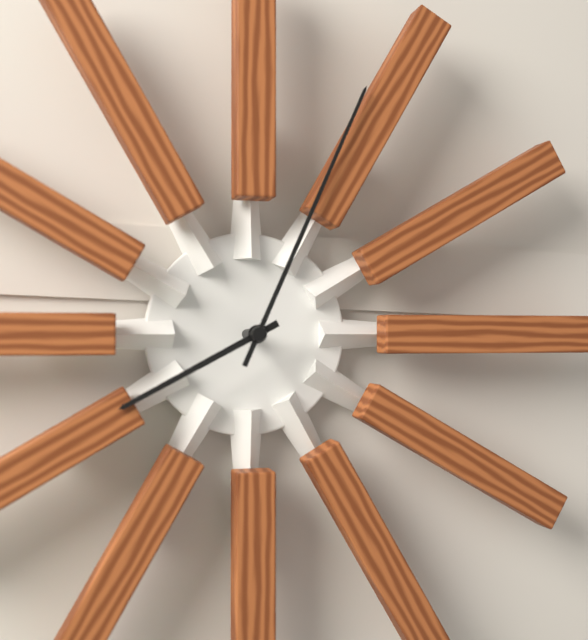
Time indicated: 8,04
